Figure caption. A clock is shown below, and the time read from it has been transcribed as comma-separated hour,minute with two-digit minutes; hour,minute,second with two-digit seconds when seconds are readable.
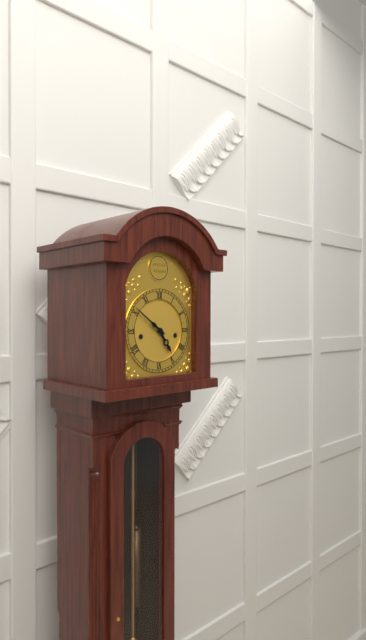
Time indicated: 4,51
